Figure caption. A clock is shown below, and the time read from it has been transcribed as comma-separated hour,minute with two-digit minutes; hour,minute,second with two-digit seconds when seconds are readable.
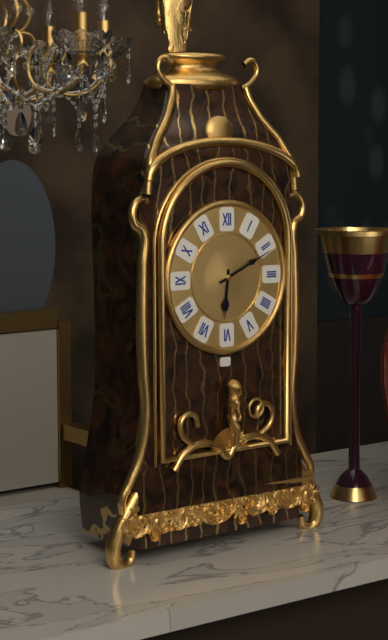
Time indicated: 6,11
